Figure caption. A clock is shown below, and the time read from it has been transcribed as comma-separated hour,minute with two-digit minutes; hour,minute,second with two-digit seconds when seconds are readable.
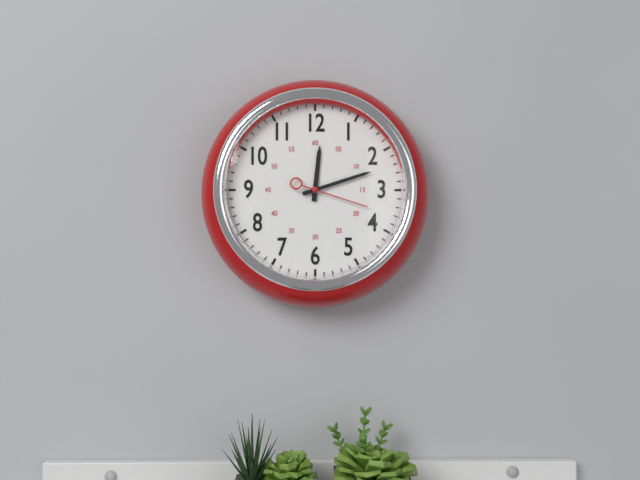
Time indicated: 12,12,18
